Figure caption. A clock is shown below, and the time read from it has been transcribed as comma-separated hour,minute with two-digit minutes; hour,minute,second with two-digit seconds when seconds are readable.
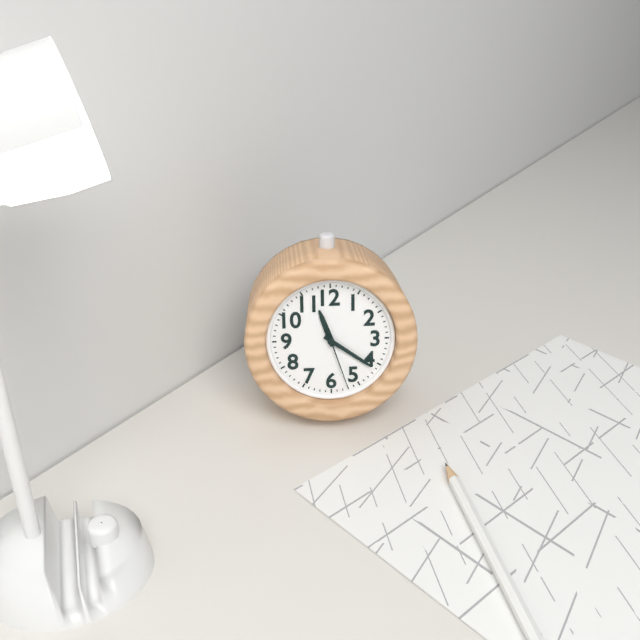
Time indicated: 11,21,27
